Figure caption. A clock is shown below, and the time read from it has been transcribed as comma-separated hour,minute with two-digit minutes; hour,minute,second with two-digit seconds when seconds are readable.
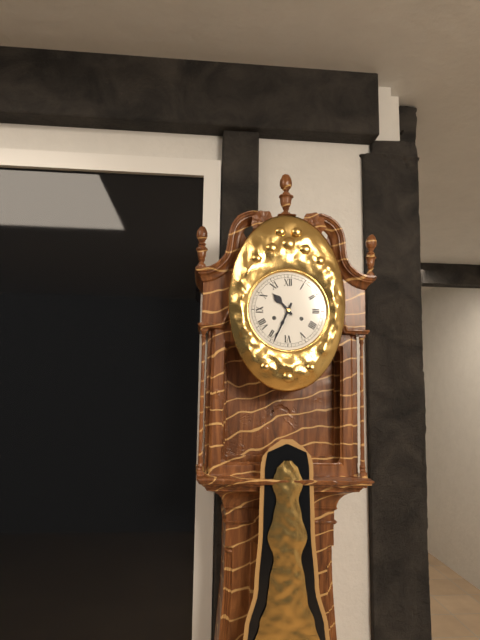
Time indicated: 10,34
